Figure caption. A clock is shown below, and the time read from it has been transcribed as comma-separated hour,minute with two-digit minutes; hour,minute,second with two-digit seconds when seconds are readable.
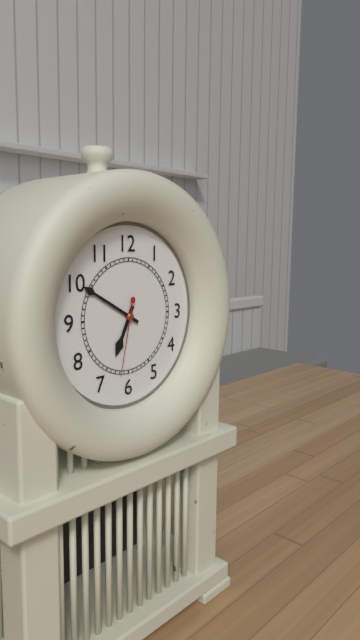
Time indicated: 6,50,32
